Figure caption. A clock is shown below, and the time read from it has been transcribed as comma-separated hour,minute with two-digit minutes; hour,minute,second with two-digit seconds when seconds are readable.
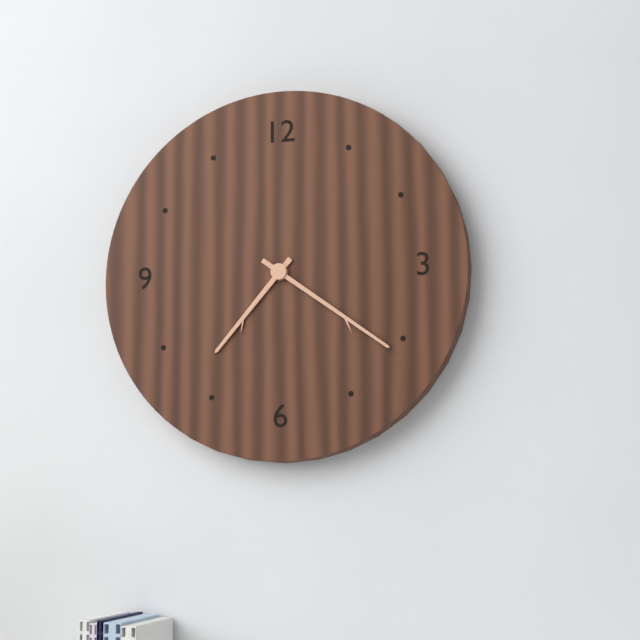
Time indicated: 7,21
